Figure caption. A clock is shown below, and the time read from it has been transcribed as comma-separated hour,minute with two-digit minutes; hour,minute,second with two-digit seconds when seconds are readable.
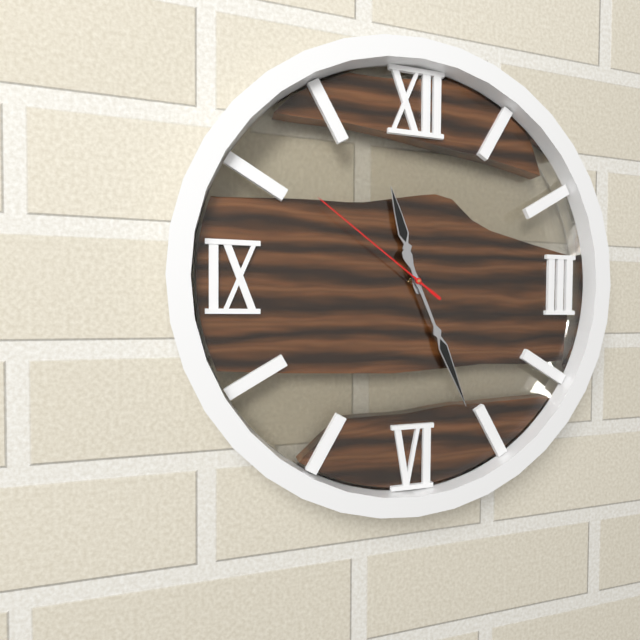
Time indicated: 11,26,51
